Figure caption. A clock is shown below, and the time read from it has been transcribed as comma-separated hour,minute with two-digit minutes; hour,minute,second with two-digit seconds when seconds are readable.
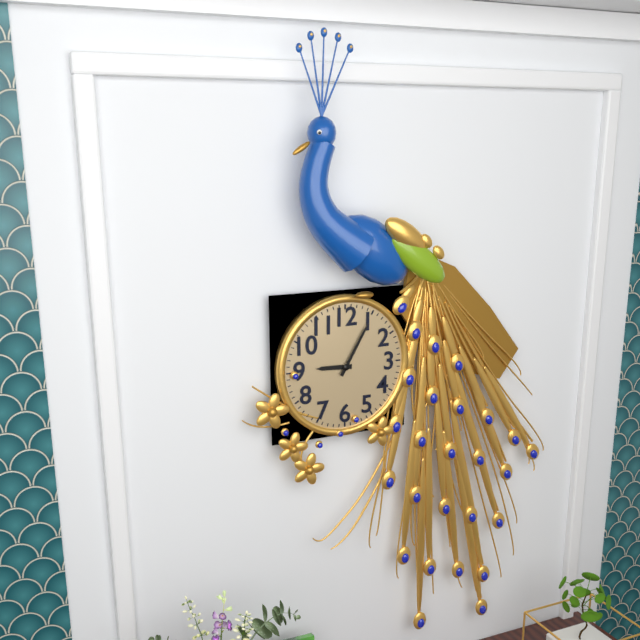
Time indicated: 9,05
